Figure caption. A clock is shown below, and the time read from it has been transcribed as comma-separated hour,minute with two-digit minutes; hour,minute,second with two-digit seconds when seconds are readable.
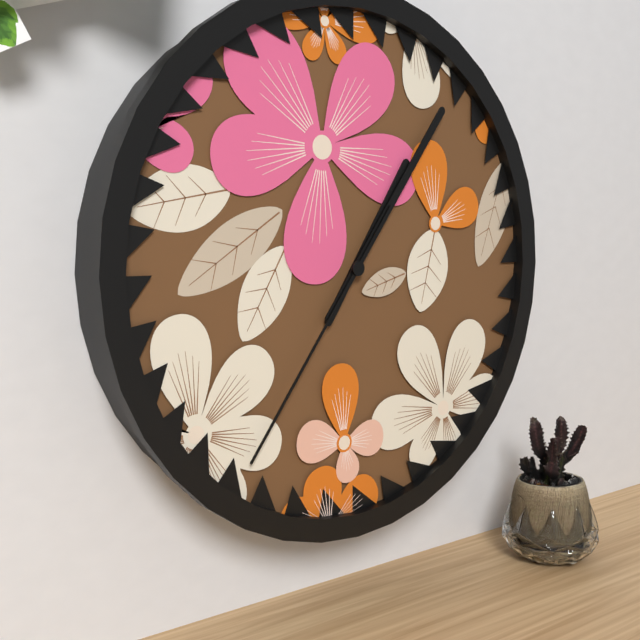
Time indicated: 1,06,36
